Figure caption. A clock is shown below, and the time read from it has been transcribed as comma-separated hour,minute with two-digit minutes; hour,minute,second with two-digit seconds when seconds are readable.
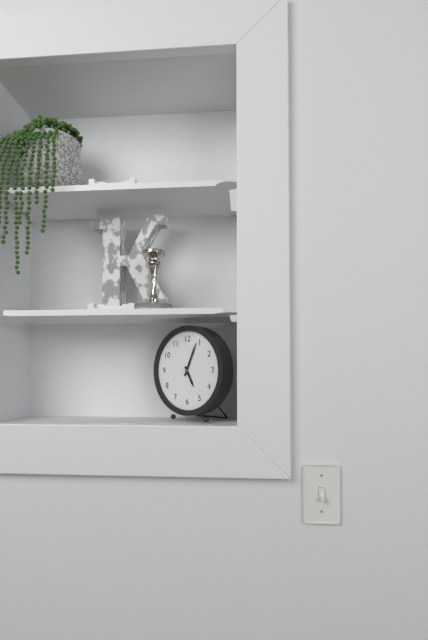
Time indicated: 5,04
